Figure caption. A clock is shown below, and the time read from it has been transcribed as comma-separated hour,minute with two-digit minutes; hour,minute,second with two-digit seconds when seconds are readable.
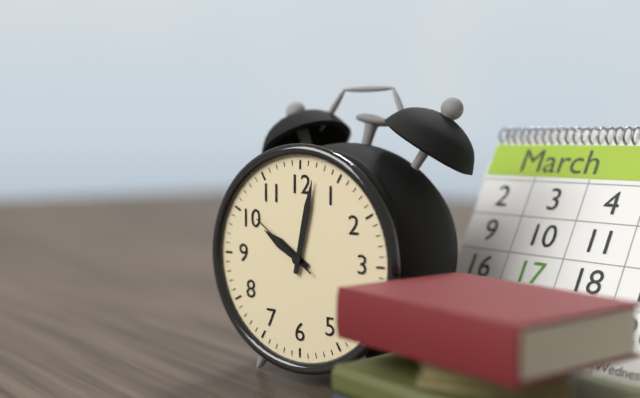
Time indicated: 10,02,51
